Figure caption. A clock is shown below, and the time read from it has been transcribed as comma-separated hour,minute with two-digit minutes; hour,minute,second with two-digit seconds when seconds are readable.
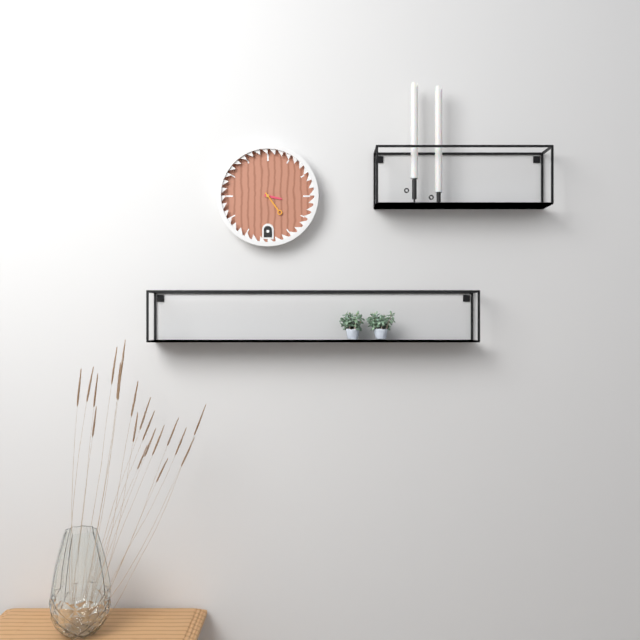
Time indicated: 3,24
